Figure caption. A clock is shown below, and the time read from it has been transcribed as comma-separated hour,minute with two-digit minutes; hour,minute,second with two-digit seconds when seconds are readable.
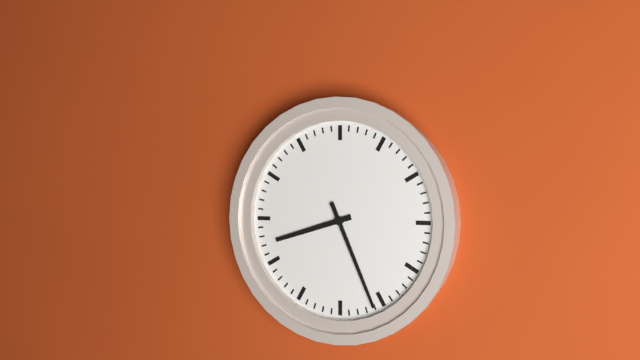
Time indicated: 8,26
